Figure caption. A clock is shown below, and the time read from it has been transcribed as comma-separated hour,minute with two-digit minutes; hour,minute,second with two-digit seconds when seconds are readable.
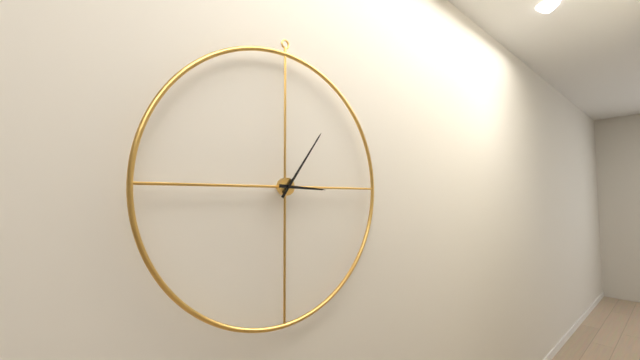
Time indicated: 3,06
